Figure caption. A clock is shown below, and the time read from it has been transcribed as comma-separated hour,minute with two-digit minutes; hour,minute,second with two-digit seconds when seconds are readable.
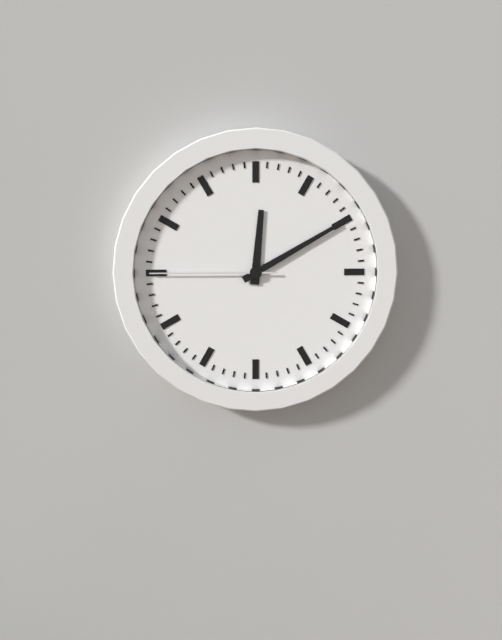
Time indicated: 12,10,45
